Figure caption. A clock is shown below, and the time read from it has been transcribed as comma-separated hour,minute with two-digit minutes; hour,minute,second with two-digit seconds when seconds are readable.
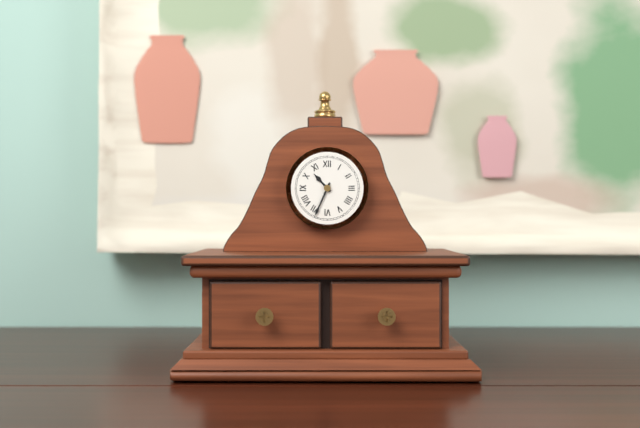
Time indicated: 10,34
